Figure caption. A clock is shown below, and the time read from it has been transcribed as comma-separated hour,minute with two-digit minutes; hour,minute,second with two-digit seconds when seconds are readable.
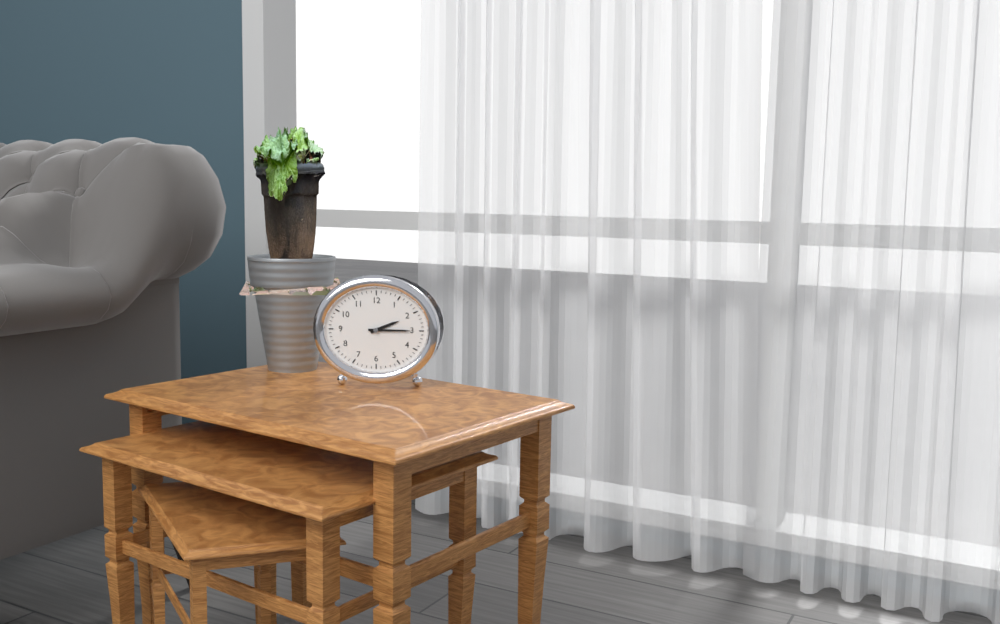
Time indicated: 2,15
